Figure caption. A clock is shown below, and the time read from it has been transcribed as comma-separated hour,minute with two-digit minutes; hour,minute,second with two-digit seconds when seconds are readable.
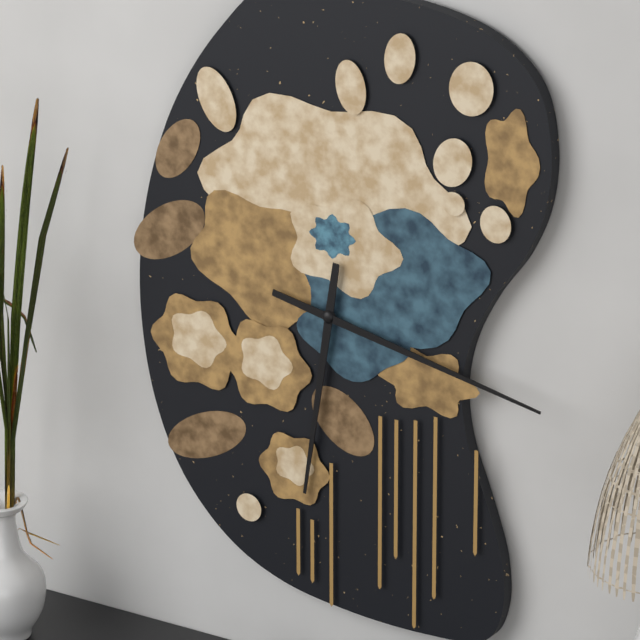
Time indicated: 6,17
